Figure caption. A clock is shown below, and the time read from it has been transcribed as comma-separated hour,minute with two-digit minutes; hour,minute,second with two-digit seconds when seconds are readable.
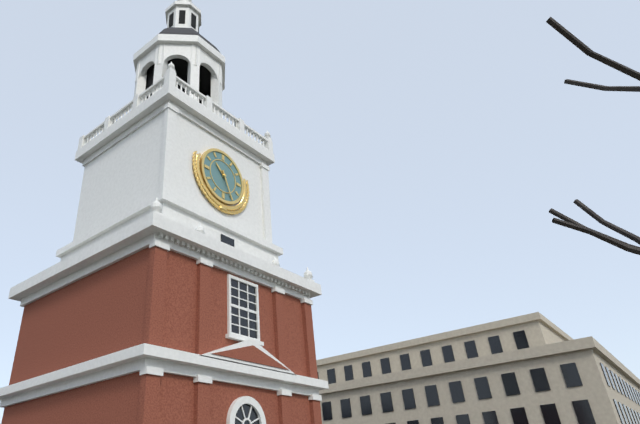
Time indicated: 10,26
